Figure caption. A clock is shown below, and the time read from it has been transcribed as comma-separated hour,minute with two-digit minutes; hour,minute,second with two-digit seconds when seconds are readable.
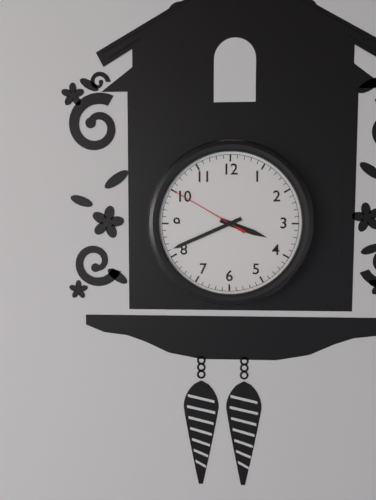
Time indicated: 3,41,50
